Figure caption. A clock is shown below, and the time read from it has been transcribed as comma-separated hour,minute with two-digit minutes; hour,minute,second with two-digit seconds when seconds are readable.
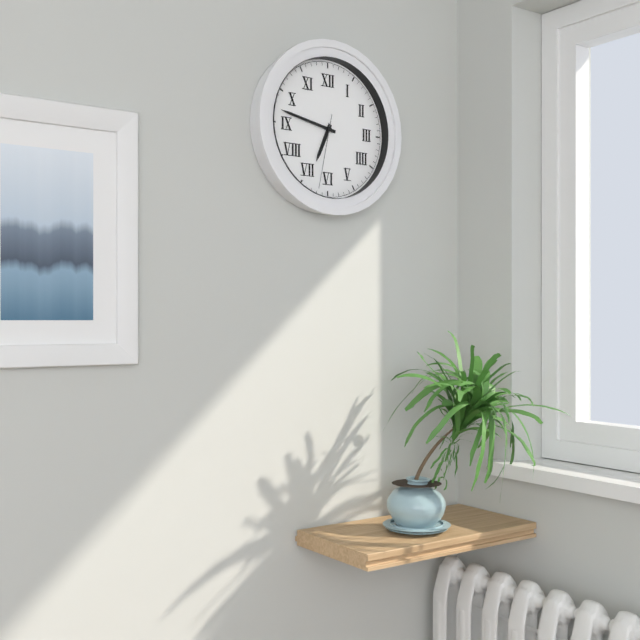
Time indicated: 6,47,32
